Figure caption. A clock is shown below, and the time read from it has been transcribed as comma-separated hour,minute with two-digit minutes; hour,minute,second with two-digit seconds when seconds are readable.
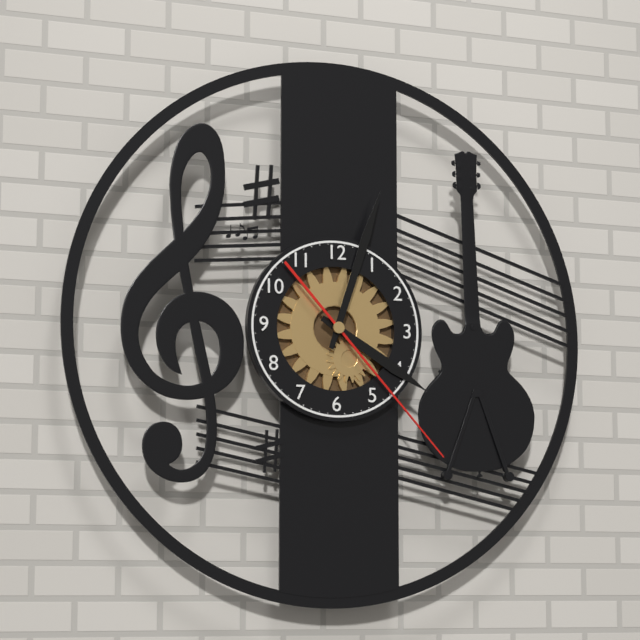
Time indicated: 4,03,23
